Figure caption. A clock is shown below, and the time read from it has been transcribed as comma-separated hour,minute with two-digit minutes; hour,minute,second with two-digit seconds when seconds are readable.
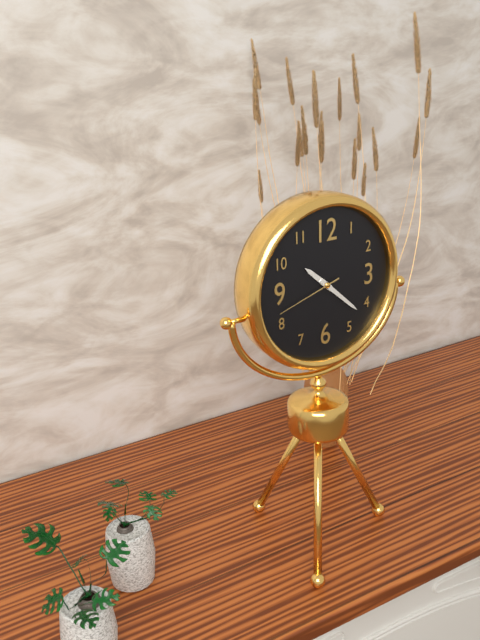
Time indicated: 10,22,42
